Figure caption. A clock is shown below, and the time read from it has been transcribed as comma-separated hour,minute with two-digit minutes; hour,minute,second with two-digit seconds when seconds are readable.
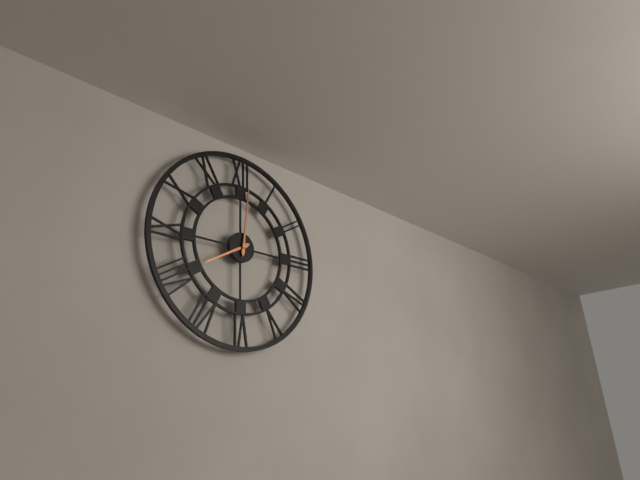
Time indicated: 8,01
